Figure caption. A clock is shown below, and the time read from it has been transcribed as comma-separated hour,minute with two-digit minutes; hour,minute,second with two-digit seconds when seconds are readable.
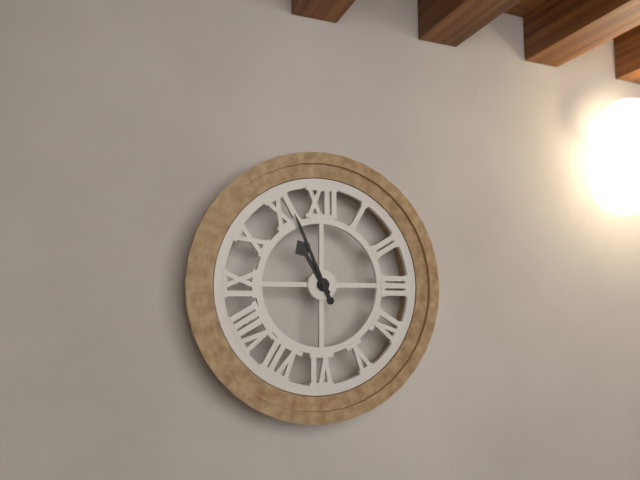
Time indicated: 10,56
